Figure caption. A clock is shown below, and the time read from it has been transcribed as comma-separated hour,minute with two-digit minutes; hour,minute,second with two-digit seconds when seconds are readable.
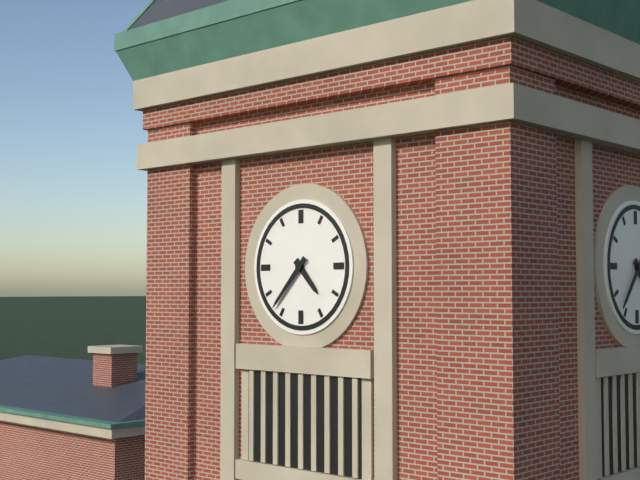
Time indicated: 4,37
